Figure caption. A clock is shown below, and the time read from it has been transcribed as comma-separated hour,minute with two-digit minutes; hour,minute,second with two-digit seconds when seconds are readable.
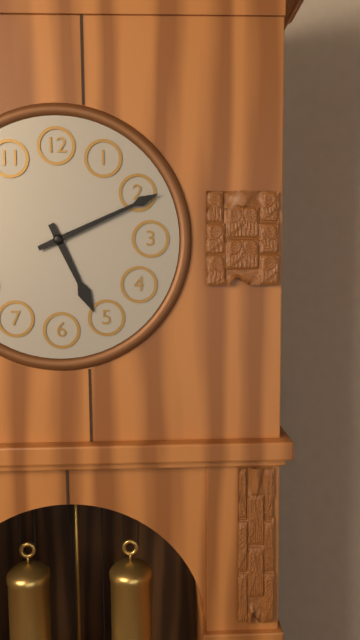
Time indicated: 5,11
